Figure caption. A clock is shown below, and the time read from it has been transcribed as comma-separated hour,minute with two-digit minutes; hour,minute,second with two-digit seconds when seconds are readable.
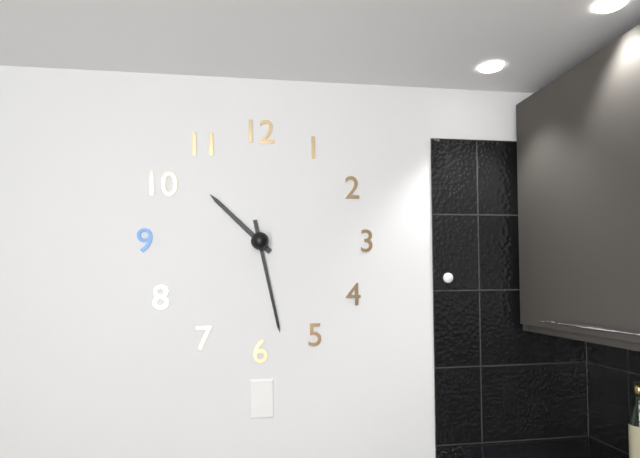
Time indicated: 10,28
